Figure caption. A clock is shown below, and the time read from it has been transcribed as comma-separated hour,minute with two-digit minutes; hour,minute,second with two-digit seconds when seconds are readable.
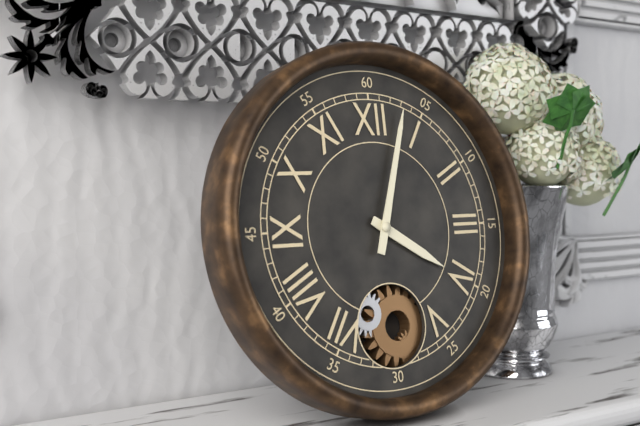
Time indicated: 4,03
